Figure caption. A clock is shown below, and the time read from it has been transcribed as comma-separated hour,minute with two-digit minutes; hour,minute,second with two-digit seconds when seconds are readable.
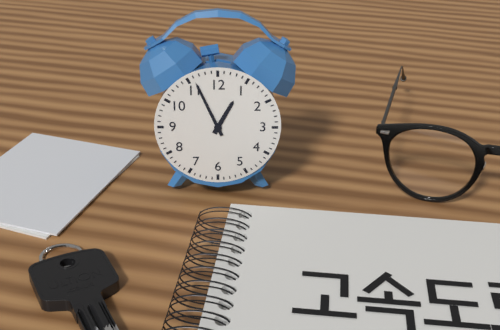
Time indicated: 12,56
